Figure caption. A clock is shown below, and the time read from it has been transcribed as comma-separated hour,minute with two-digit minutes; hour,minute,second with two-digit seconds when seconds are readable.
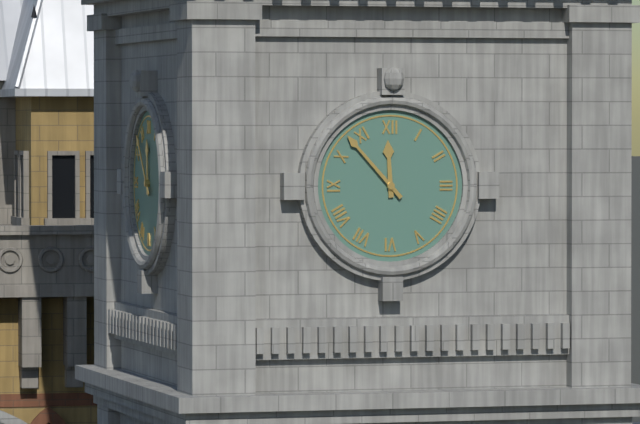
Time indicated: 11,53
